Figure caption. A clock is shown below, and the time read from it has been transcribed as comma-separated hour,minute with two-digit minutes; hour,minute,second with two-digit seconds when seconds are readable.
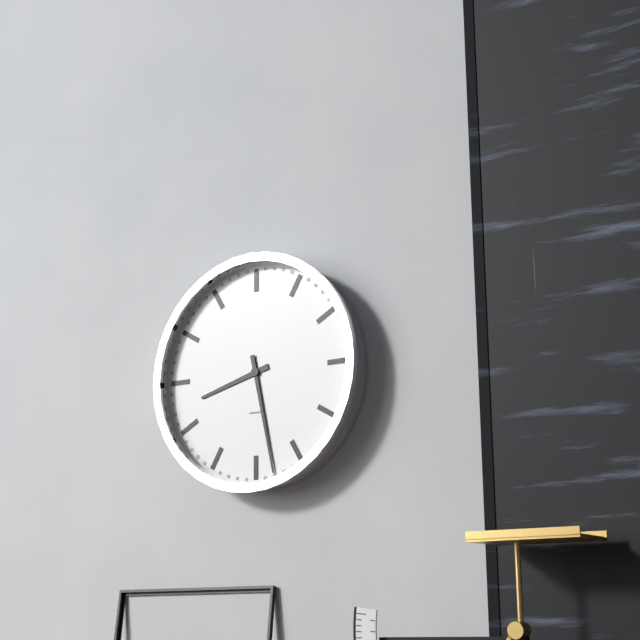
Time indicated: 8,28
